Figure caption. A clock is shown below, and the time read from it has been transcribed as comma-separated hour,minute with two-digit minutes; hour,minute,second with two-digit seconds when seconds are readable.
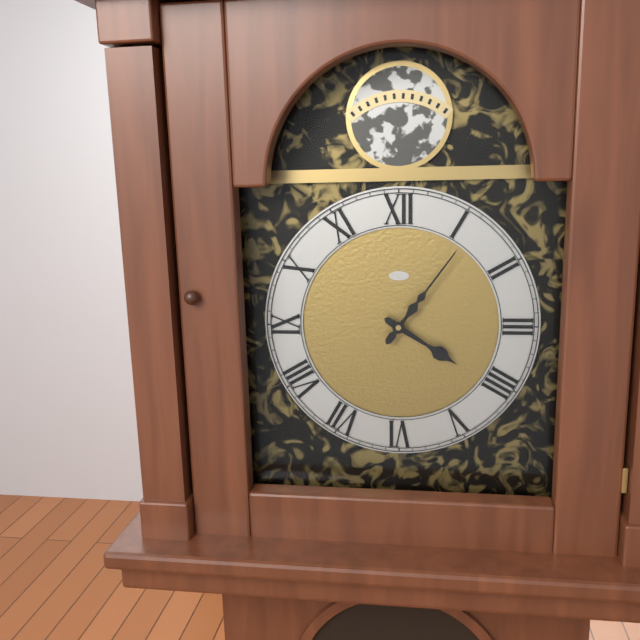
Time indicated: 4,06
